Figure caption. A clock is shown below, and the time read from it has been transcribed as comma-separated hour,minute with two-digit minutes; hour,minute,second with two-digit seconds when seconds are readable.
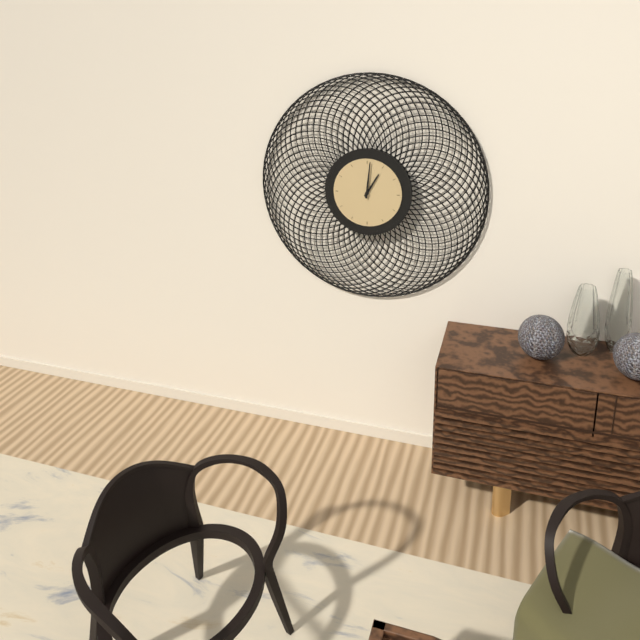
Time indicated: 1,01
